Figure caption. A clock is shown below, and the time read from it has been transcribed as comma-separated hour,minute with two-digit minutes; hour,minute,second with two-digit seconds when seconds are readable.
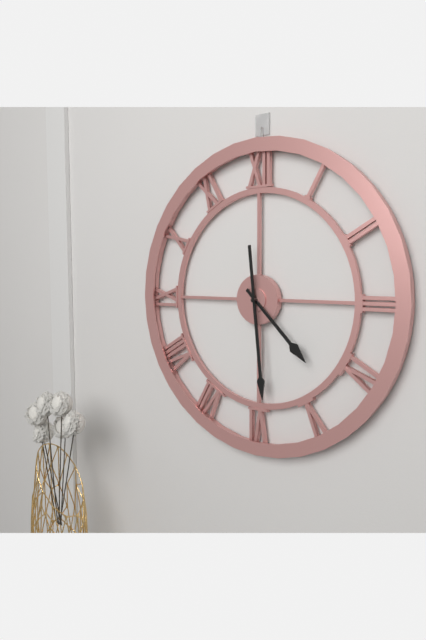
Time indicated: 4,29
